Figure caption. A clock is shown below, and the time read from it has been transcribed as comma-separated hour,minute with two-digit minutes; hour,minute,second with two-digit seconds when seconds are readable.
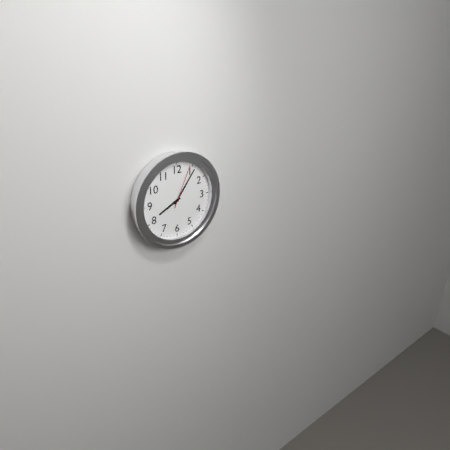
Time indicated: 8,06
